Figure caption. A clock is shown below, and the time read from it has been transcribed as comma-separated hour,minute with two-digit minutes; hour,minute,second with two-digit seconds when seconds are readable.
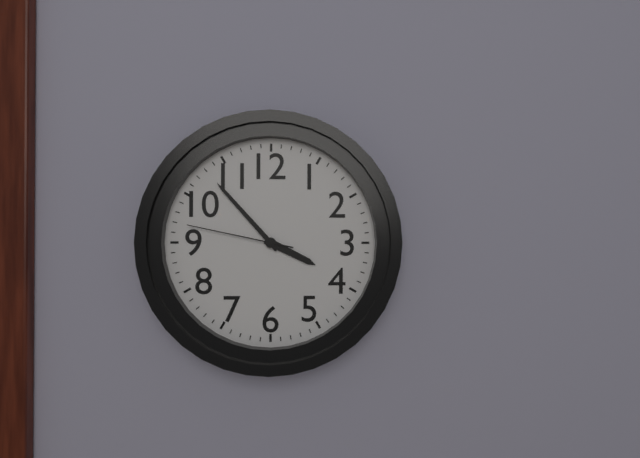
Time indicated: 3,53,47
